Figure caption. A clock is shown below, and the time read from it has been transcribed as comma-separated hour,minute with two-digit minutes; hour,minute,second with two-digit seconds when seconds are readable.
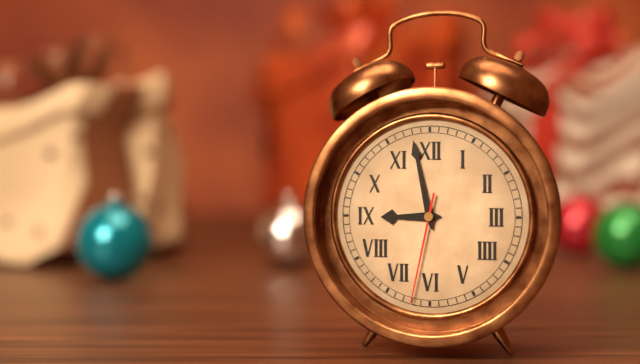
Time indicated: 8,58,32
